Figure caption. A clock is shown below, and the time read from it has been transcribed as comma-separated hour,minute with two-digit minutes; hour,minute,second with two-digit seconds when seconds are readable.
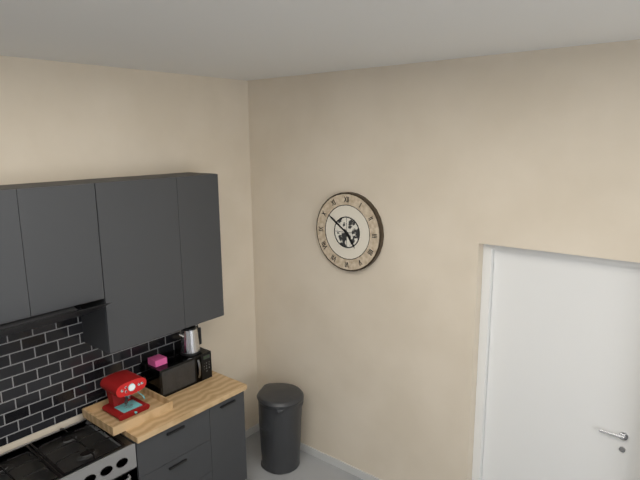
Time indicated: 4,51
